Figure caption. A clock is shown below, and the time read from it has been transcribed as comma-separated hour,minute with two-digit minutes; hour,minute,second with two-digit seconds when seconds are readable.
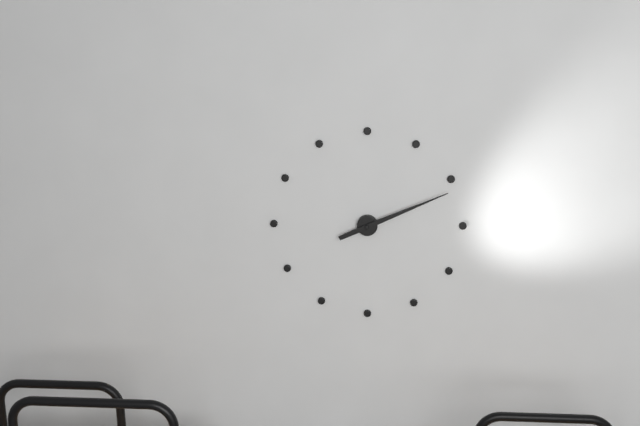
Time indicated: 2,11
